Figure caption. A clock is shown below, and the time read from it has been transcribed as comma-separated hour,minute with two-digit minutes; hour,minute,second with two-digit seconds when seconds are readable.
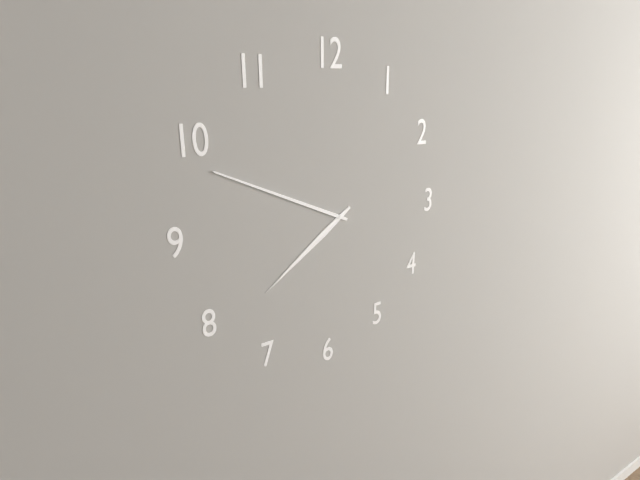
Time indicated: 7,49
